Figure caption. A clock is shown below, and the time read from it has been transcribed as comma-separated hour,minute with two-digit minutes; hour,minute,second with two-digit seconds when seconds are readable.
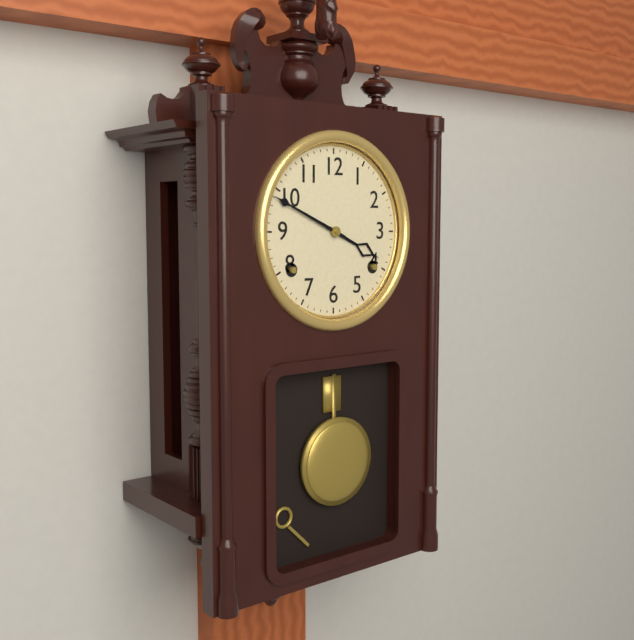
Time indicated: 3,49
